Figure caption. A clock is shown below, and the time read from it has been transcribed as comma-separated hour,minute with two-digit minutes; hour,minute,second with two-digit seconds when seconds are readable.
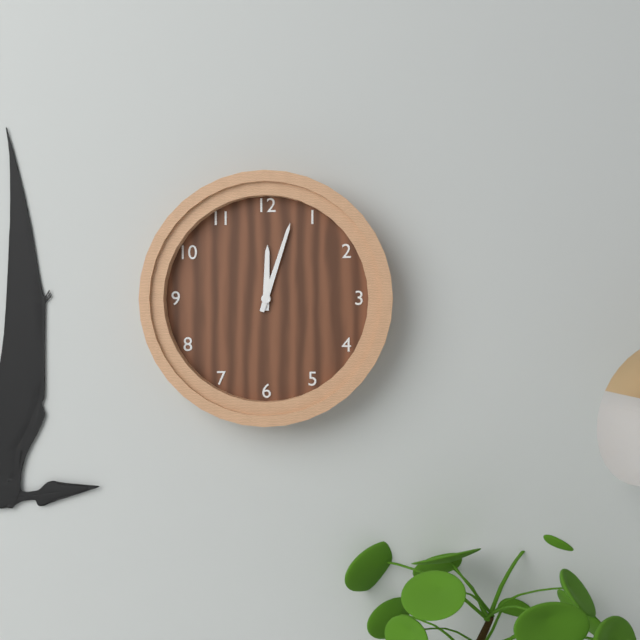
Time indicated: 12,03
